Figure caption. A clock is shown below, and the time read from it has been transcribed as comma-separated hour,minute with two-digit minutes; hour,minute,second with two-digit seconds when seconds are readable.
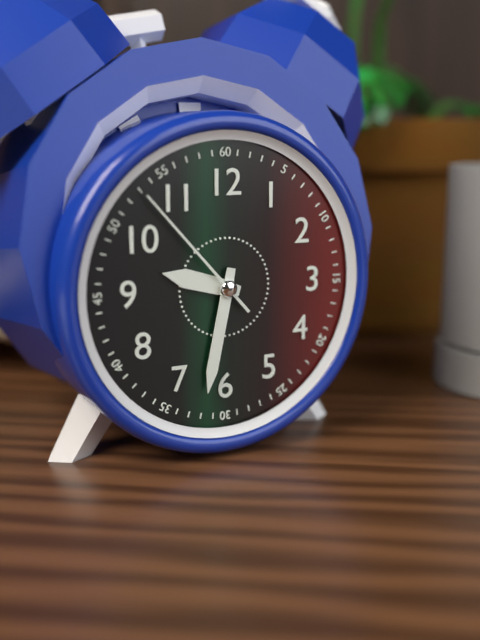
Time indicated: 9,32,53
